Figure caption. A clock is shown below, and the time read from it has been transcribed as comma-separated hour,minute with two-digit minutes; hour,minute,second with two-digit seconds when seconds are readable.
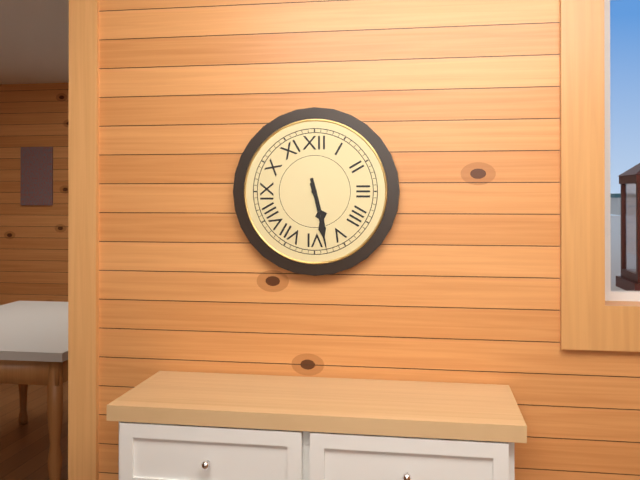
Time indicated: 5,28
